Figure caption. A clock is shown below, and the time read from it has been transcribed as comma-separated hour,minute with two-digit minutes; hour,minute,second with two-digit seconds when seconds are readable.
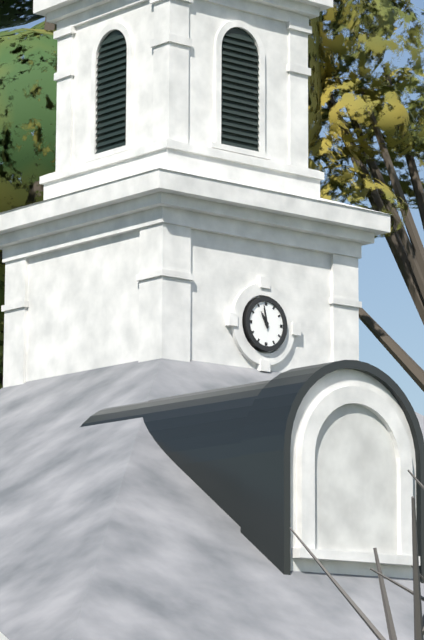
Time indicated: 10,58
